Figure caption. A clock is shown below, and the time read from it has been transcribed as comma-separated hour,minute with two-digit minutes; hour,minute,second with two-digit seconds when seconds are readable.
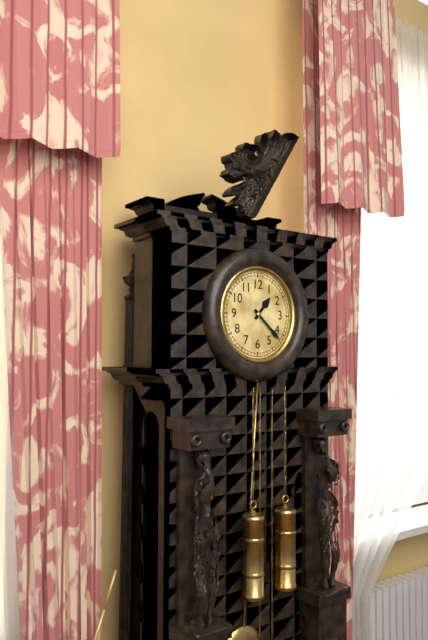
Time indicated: 1,22
